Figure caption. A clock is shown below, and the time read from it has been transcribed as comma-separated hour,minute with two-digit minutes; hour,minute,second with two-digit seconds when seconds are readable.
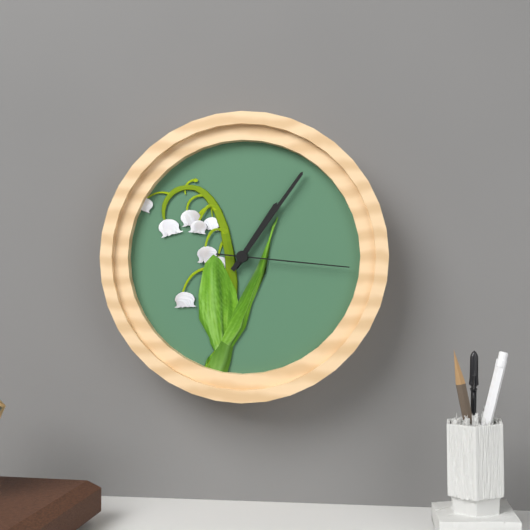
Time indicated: 1,06,16
